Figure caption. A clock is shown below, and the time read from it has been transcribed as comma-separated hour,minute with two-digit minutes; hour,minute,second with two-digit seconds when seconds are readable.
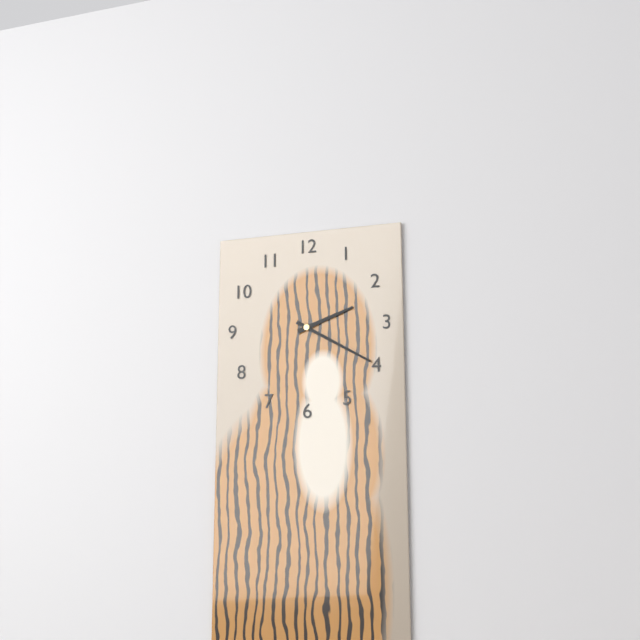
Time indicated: 2,20
